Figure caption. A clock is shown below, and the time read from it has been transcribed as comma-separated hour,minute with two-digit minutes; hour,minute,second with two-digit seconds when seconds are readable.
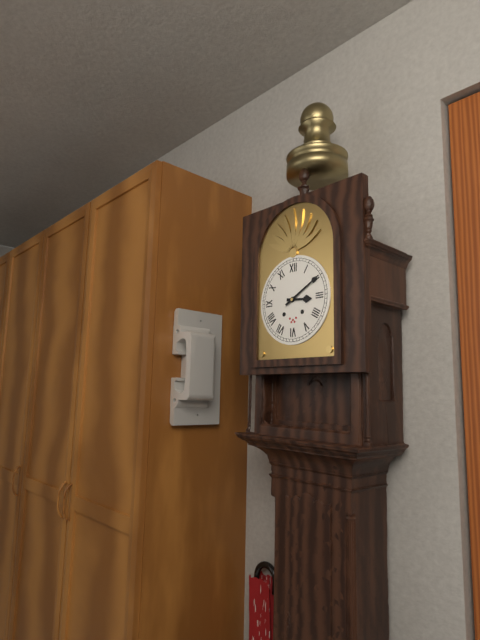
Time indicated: 3,10
